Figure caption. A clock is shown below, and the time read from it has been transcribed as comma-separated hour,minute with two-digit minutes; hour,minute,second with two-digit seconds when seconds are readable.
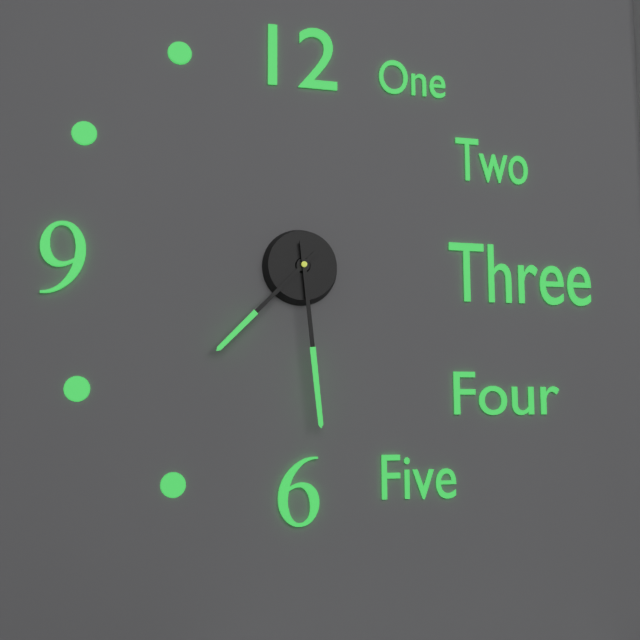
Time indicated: 7,29
